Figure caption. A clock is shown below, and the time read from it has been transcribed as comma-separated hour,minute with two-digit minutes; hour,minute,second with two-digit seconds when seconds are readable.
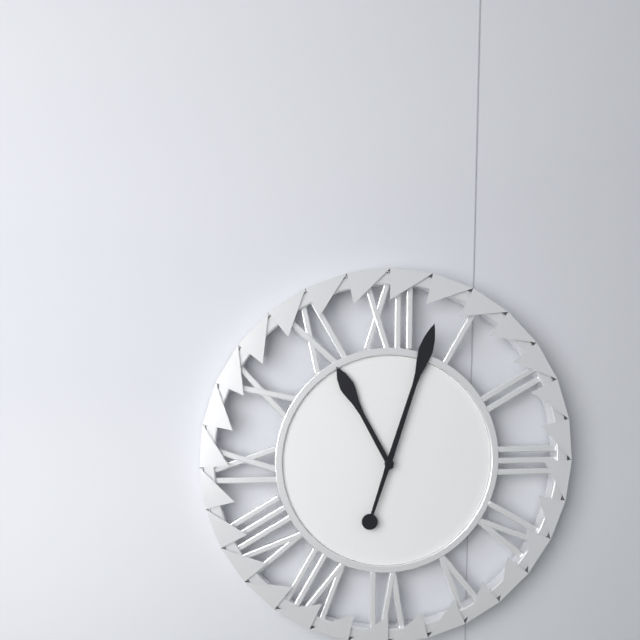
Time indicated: 11,03
